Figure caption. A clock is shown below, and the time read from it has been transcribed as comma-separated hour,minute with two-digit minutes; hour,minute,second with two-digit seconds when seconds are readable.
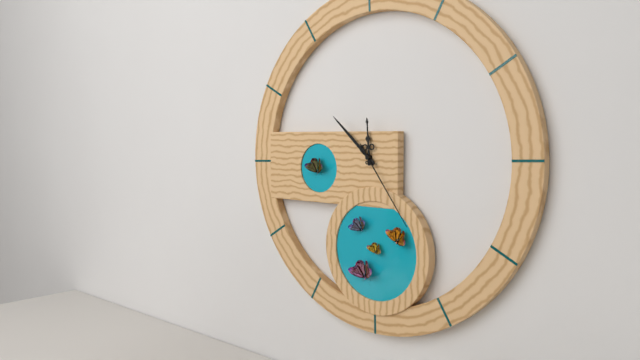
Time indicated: 11,52,24
